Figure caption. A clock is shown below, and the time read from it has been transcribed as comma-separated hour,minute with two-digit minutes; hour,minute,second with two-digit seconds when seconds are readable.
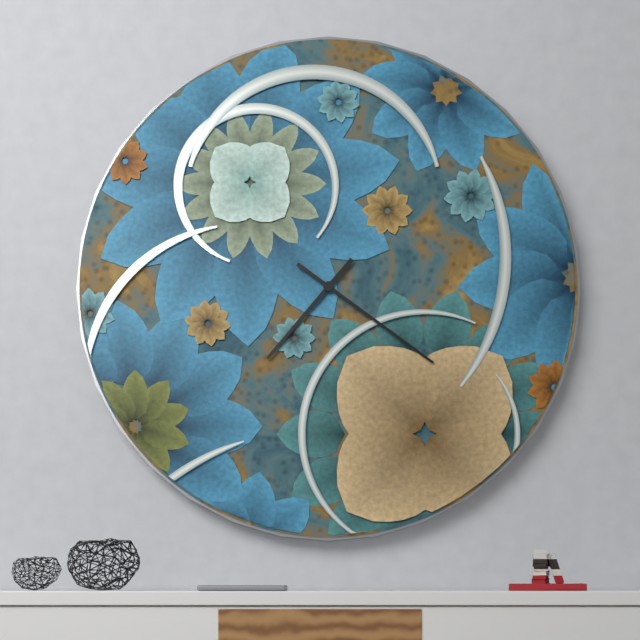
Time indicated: 7,21
